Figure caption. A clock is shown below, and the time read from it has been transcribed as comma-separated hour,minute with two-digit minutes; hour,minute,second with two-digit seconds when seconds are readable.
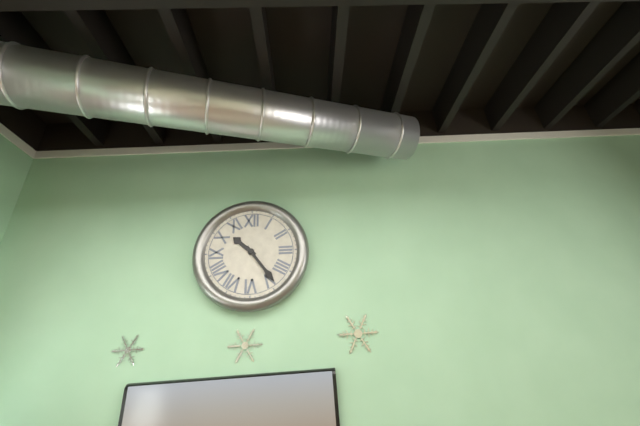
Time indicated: 10,24
